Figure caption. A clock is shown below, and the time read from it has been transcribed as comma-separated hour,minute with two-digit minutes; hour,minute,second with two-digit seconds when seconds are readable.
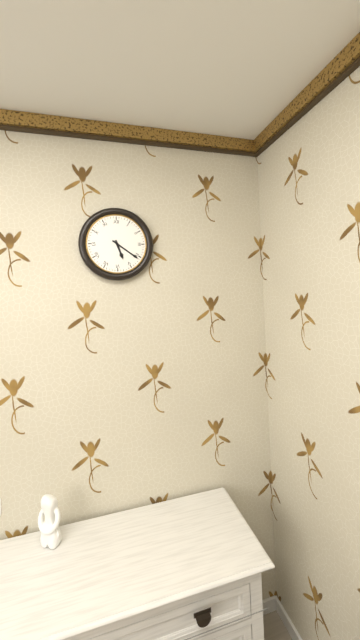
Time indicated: 5,21
